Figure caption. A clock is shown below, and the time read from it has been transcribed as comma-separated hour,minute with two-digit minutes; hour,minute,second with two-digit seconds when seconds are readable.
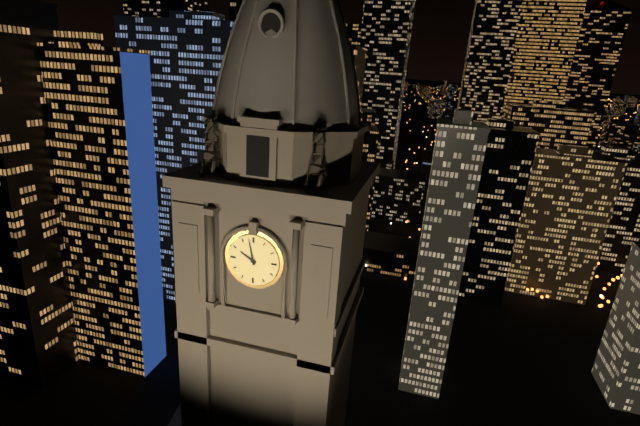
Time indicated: 9,58
